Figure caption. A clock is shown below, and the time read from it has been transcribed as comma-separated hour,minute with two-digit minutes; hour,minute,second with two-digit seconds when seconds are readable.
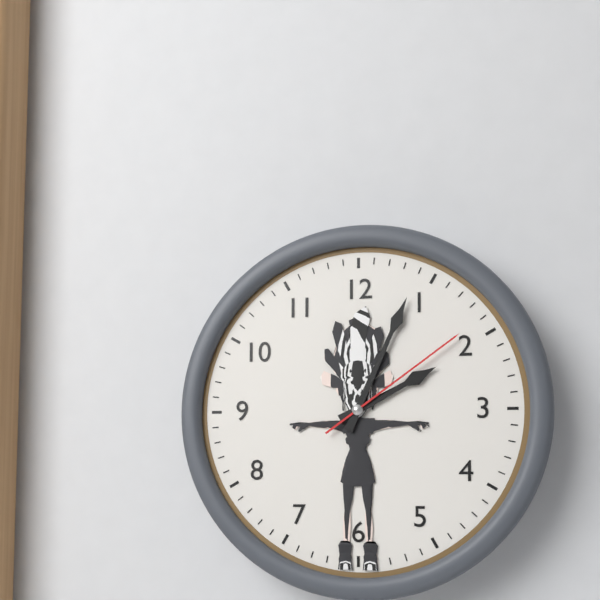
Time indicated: 2,04,09
